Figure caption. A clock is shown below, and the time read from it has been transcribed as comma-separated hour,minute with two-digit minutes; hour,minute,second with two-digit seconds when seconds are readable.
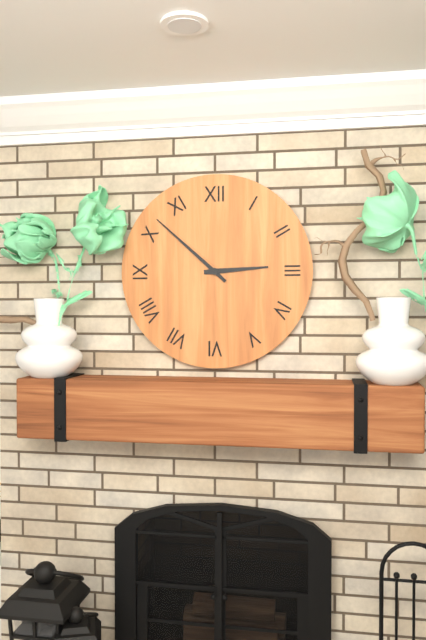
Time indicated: 2,52
